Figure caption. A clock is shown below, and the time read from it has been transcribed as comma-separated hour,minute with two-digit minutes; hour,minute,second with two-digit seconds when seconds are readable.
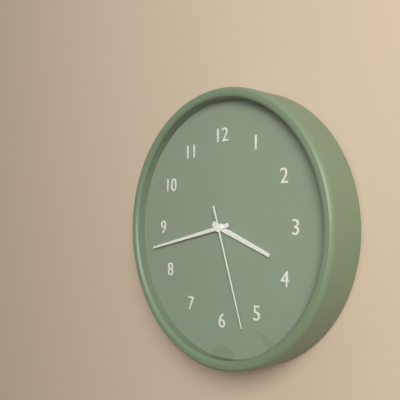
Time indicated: 3,43,27
